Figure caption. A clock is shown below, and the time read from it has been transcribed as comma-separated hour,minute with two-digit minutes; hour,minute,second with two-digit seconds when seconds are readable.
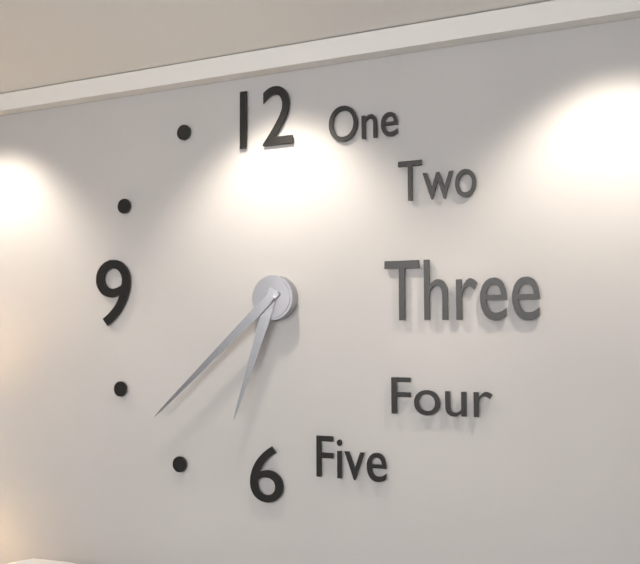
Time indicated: 6,38
